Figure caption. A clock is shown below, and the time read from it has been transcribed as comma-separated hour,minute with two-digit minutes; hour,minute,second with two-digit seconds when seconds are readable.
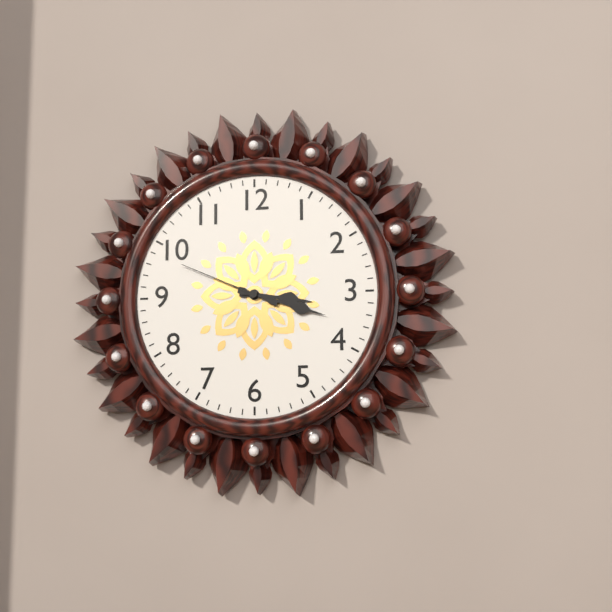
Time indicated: 3,18,49
